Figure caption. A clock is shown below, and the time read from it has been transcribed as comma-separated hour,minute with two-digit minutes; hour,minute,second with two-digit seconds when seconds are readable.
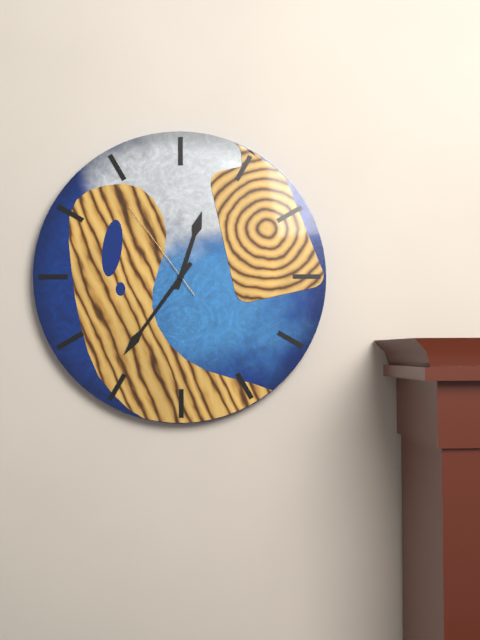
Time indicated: 12,36,54
